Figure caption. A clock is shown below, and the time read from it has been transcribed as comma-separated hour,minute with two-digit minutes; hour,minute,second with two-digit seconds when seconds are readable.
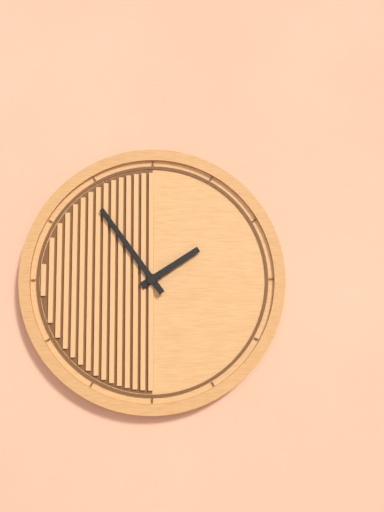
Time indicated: 1,54
